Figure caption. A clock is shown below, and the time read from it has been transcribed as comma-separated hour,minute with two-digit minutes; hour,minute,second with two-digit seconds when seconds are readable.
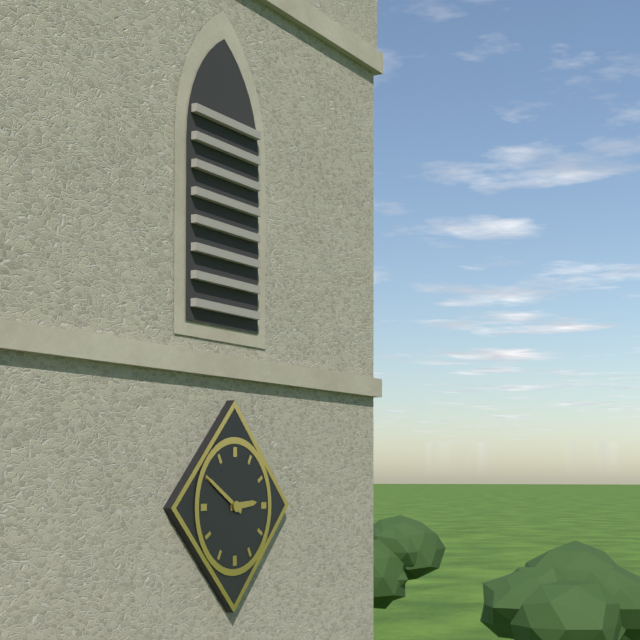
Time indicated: 2,50
